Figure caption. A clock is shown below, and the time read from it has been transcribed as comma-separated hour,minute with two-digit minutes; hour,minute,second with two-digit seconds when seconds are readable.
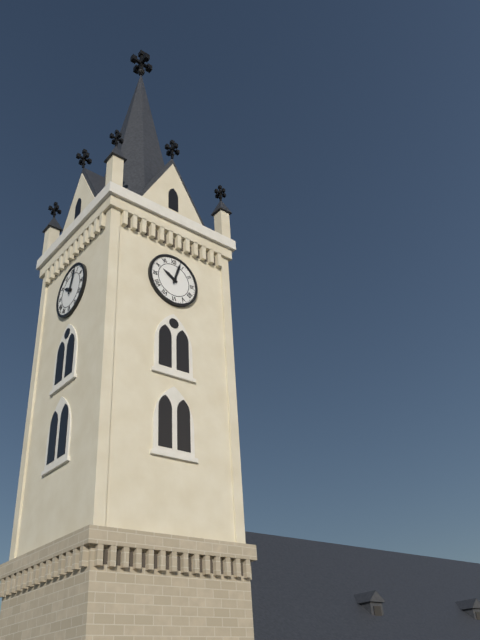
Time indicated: 10,03
